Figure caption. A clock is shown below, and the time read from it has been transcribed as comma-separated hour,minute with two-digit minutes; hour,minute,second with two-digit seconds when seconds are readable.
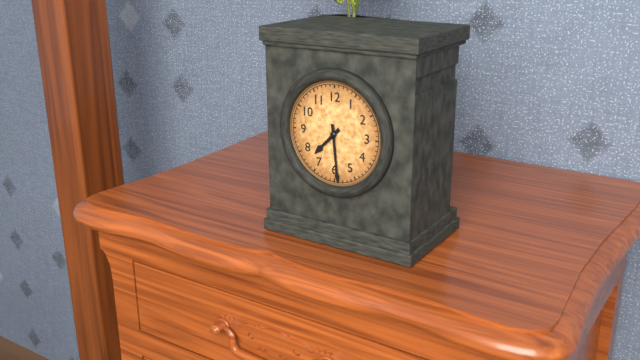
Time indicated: 7,29
